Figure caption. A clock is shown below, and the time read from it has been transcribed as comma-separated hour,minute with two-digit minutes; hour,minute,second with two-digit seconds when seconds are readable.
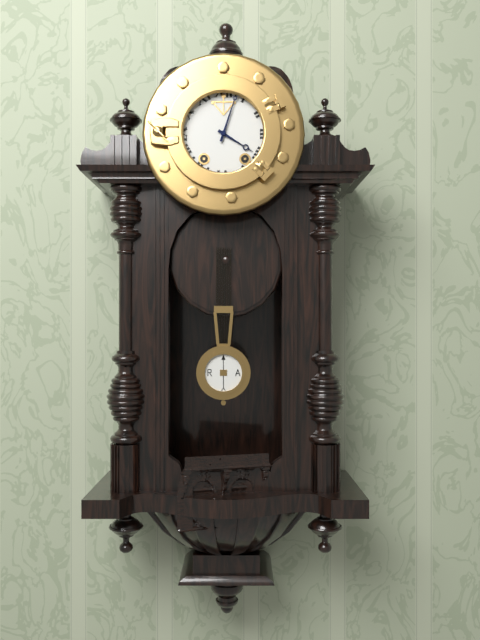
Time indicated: 4,03
